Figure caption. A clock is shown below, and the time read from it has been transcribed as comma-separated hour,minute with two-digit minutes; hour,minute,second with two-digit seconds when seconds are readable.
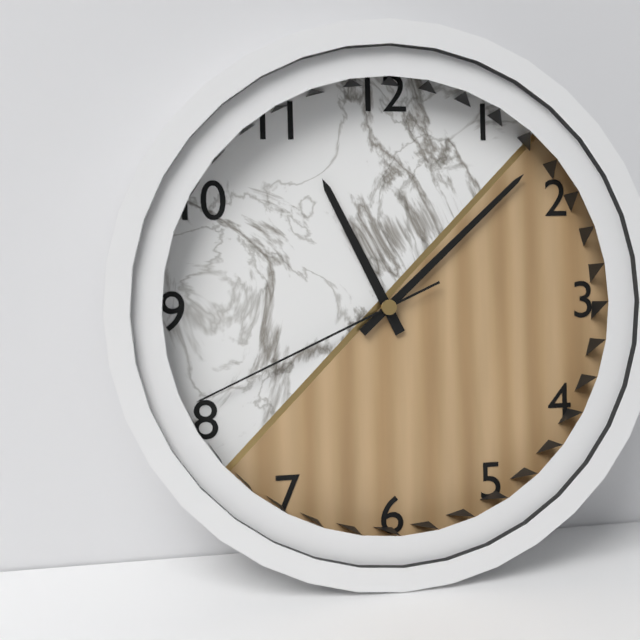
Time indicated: 11,08,41
